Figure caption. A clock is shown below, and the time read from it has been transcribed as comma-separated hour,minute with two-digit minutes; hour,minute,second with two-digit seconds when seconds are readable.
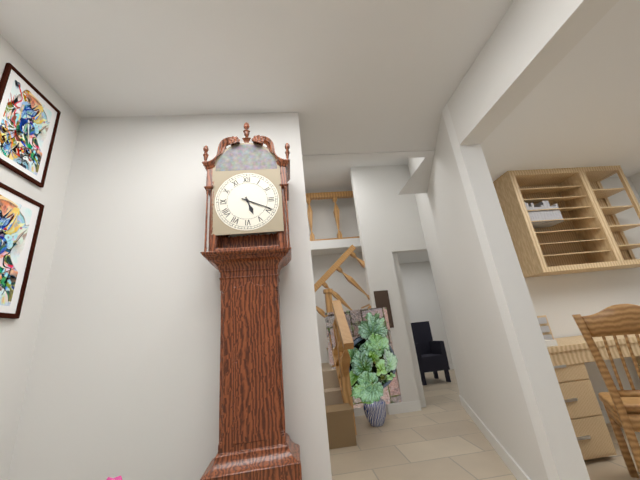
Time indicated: 5,19
